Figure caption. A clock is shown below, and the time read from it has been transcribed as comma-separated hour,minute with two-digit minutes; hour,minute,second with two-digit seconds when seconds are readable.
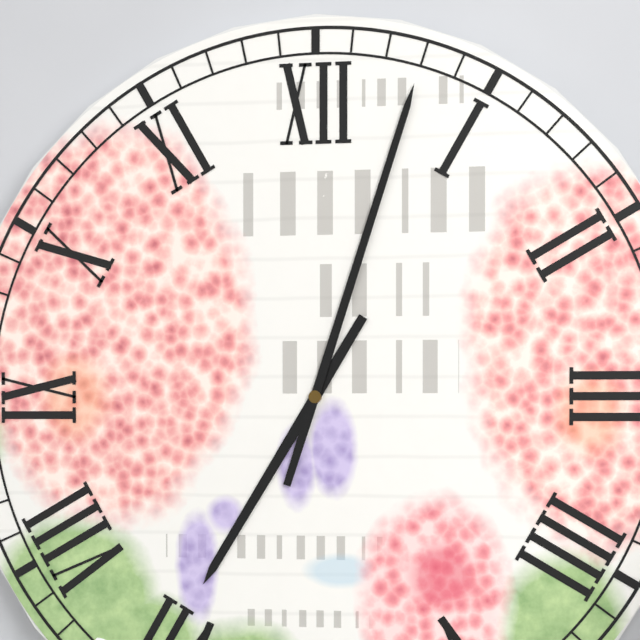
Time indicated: 7,03
